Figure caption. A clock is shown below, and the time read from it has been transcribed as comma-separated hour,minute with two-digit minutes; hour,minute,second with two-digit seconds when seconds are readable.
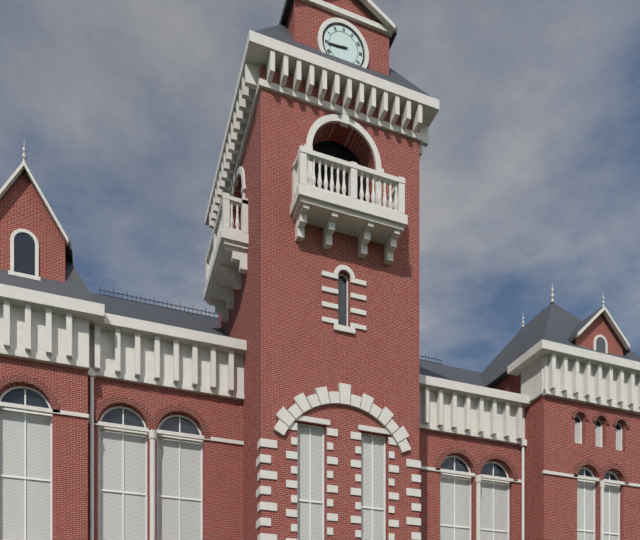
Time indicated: 8,44
